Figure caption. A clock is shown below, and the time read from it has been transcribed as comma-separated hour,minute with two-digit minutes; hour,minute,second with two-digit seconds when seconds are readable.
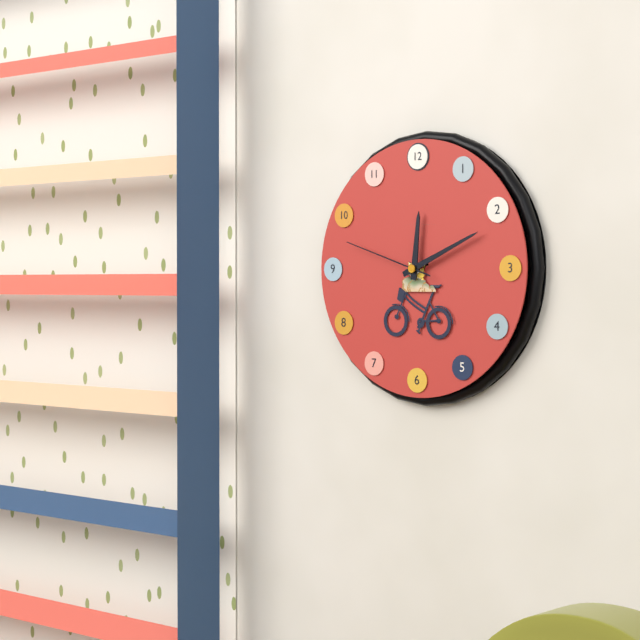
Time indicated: 12,11,48
